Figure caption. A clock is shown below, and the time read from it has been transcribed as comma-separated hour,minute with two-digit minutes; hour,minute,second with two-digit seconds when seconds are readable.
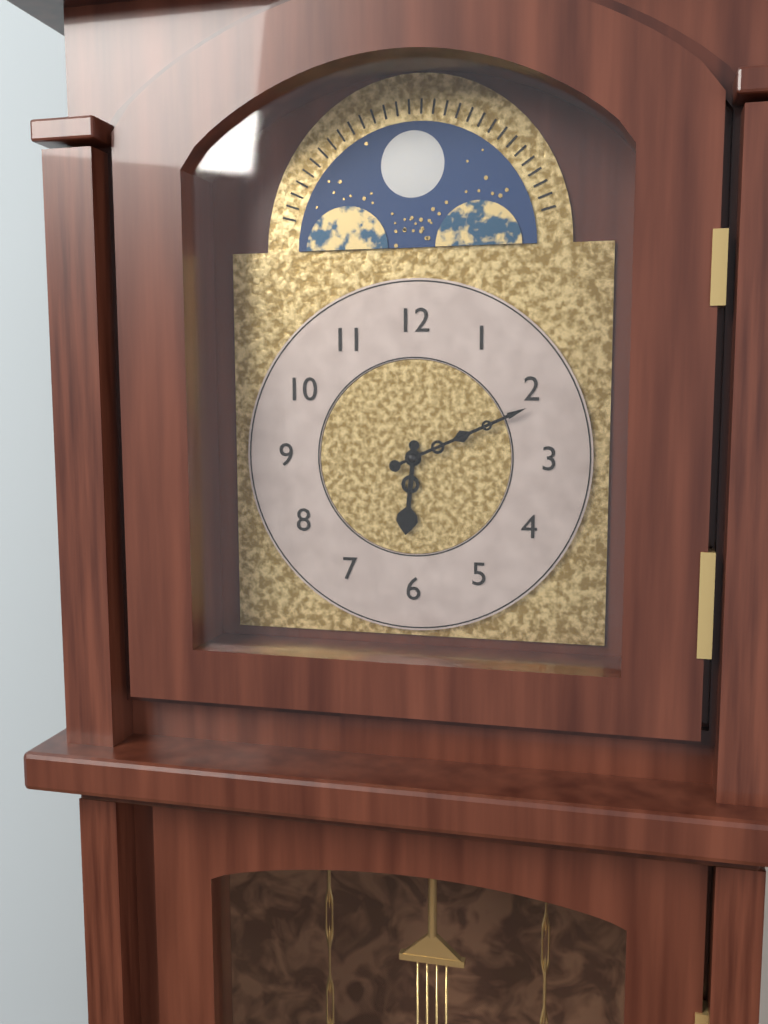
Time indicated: 6,11
